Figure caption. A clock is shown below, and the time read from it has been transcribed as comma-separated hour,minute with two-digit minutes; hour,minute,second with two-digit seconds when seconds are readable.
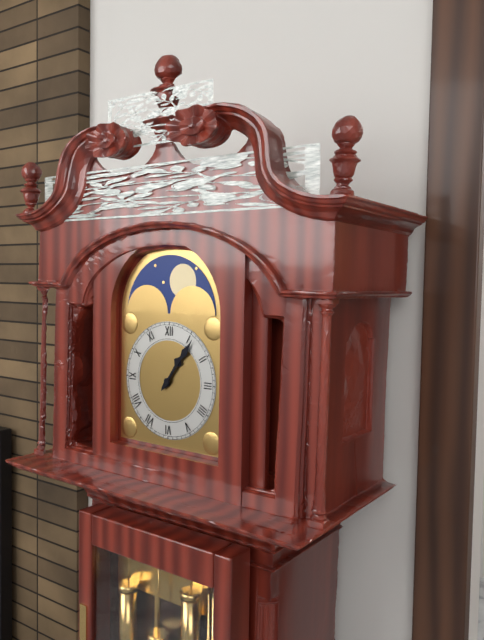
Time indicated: 1,06
